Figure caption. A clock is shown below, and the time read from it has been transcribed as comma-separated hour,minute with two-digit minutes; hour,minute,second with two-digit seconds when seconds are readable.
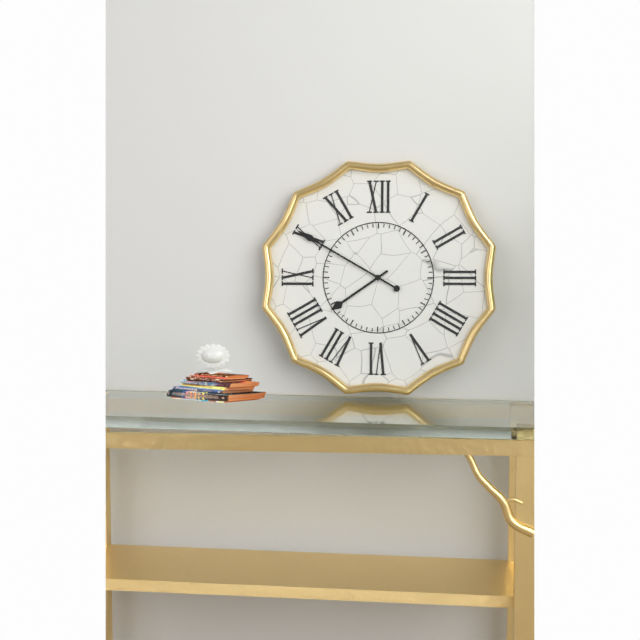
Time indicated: 7,50
